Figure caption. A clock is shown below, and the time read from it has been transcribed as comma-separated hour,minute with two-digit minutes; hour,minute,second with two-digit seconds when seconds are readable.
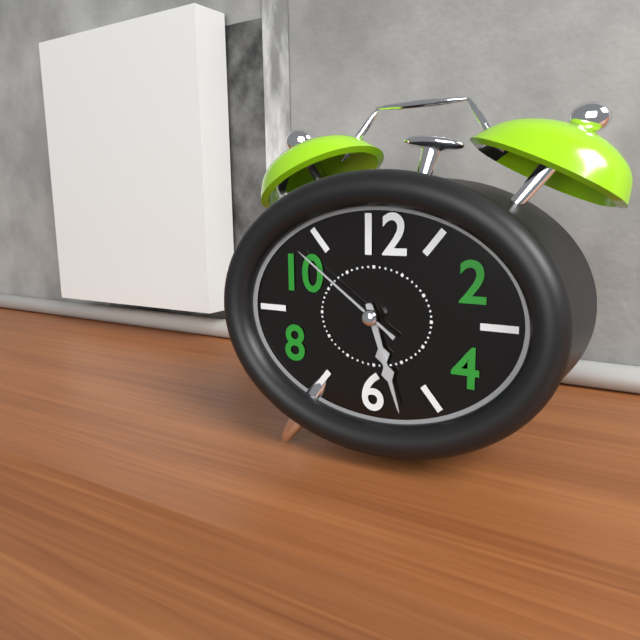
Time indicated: 5,27,51
